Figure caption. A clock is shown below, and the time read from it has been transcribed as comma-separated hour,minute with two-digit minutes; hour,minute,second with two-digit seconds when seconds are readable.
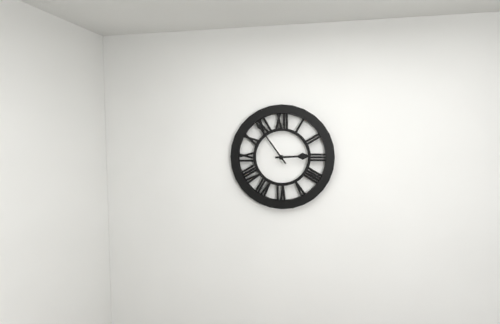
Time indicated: 2,54
